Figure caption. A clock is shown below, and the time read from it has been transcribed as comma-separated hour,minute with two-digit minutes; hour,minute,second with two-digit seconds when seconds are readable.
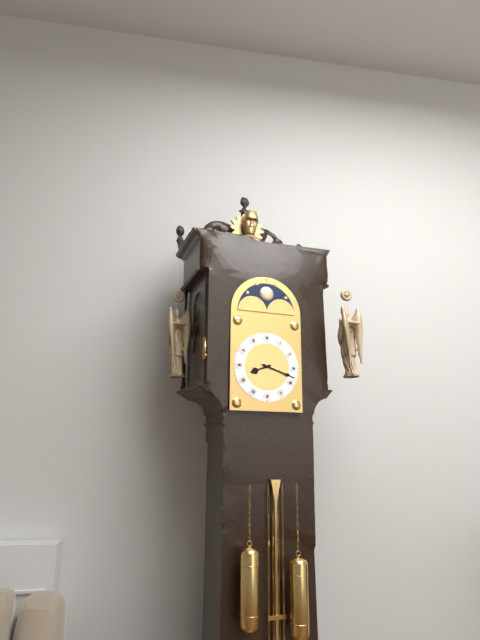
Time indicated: 8,18
